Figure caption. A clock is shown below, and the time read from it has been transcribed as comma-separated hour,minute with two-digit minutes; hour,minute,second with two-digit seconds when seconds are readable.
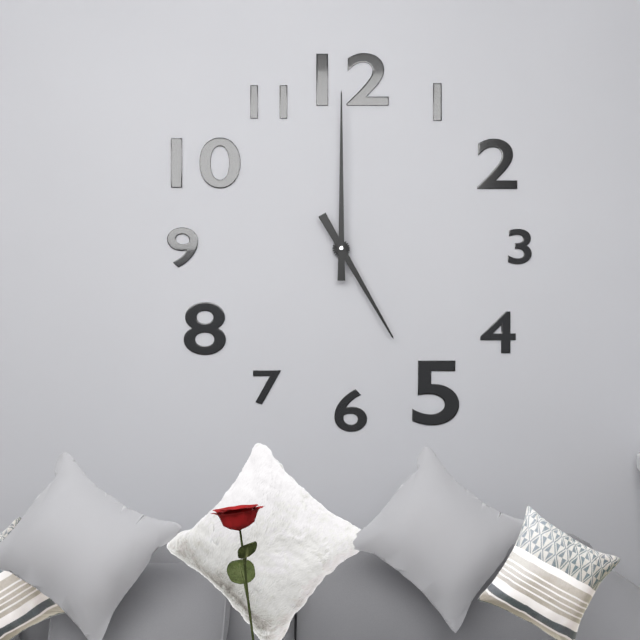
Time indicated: 5,00
